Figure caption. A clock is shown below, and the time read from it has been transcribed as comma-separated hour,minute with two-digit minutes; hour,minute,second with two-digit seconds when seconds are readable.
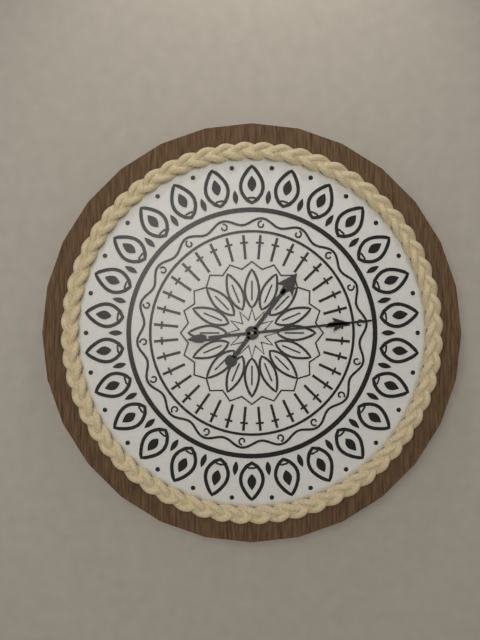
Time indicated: 1,14
